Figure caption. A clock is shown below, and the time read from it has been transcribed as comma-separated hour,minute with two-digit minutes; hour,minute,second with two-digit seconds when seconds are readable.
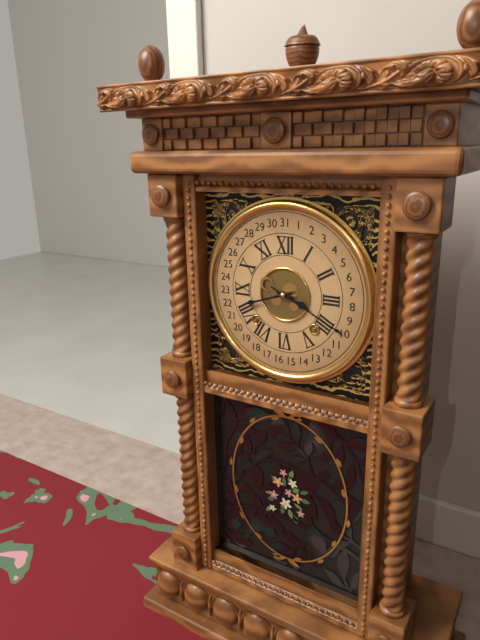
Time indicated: 3,42
